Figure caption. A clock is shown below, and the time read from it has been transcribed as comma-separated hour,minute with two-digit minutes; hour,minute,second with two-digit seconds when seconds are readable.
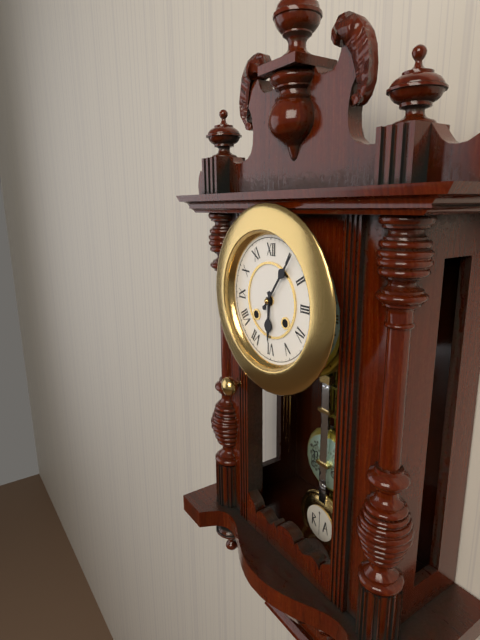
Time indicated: 6,06
